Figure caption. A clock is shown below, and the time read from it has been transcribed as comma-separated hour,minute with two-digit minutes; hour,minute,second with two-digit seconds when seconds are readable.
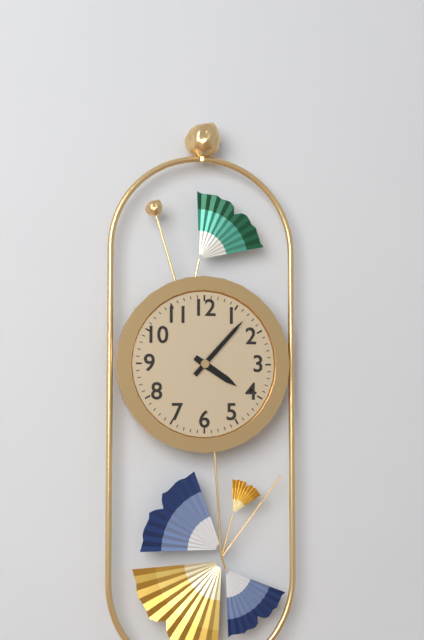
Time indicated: 4,07
